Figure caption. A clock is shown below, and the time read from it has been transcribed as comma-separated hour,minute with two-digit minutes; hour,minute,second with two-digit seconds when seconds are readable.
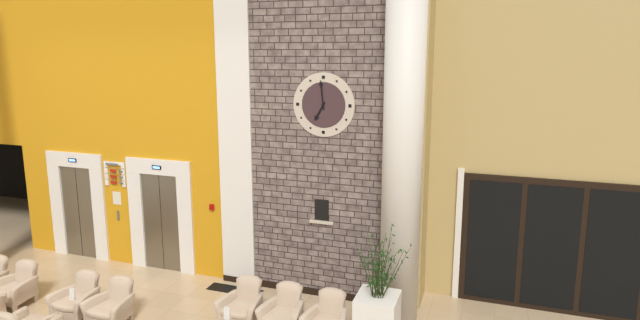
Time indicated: 6,59
